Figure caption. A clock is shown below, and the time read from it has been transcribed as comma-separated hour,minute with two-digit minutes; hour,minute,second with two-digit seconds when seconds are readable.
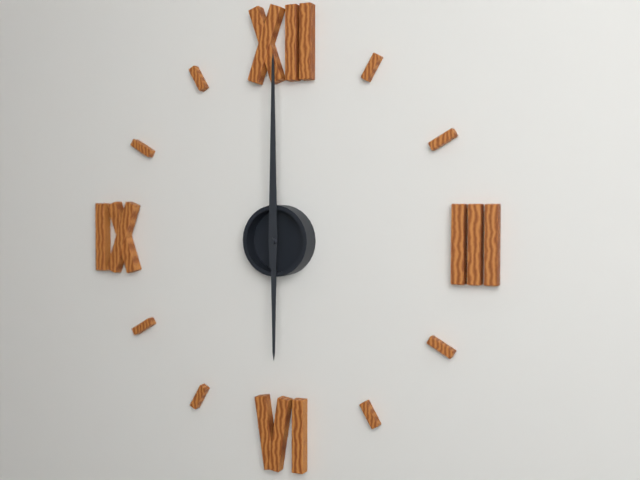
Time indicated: 6,00
